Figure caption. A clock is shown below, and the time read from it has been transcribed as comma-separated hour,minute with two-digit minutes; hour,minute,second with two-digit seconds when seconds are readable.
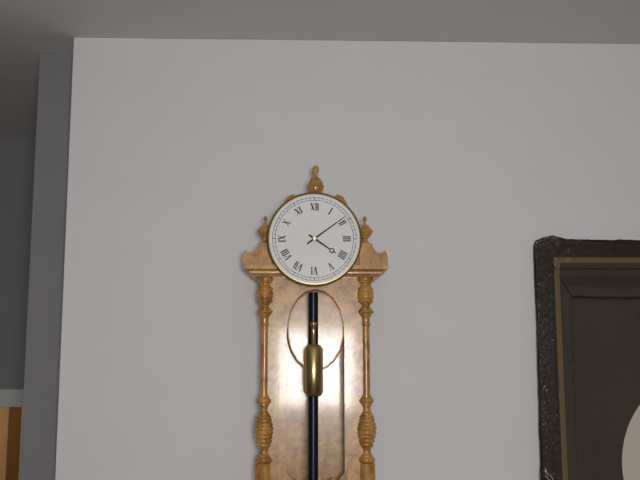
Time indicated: 4,09
